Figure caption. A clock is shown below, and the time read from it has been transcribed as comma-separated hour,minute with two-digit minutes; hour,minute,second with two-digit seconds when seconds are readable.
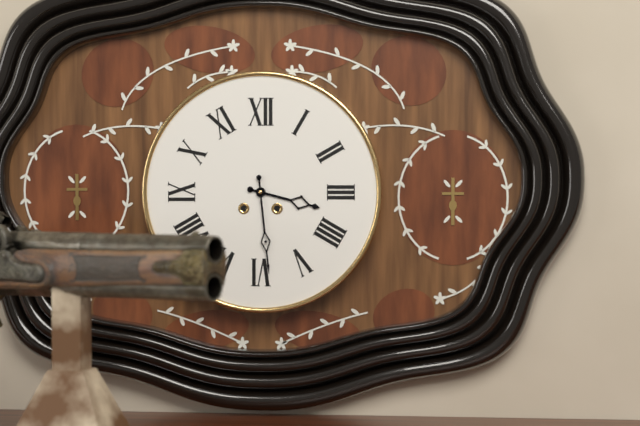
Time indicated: 3,29
